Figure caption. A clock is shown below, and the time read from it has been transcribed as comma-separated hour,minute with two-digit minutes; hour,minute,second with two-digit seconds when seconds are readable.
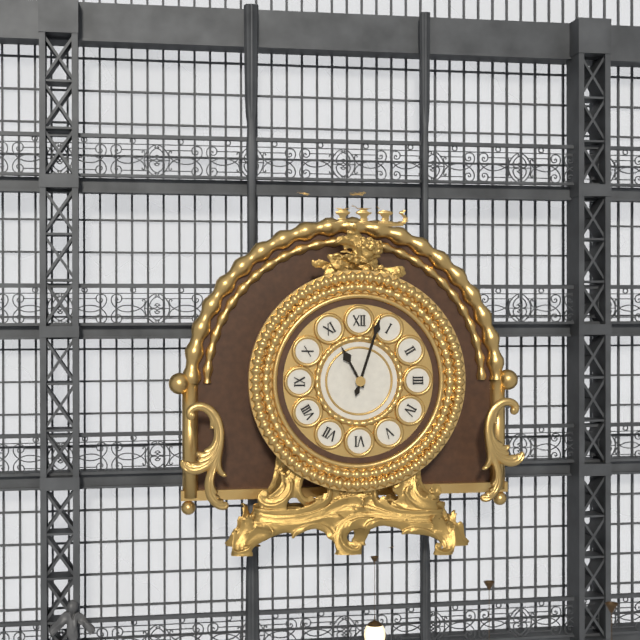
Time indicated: 11,03
